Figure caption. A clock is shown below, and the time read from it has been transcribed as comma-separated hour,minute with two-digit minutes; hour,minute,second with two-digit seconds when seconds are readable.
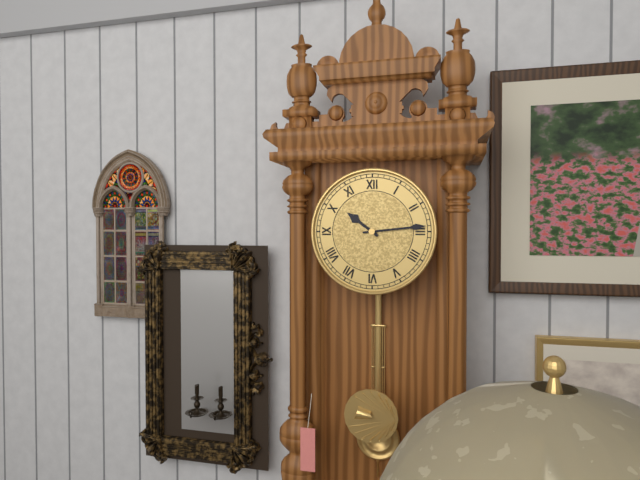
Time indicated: 10,14
